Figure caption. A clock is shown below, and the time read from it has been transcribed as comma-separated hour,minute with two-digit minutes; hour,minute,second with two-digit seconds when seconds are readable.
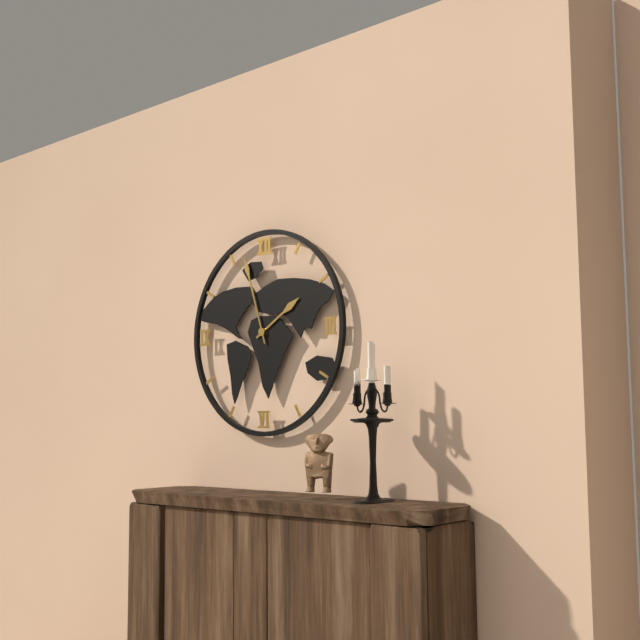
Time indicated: 1,57
